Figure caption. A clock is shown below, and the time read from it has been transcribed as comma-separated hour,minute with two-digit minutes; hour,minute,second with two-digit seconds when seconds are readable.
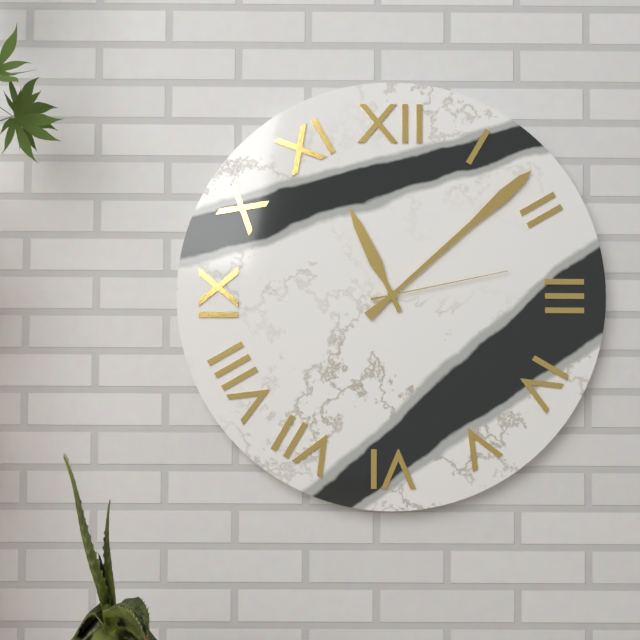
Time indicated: 11,08,13
